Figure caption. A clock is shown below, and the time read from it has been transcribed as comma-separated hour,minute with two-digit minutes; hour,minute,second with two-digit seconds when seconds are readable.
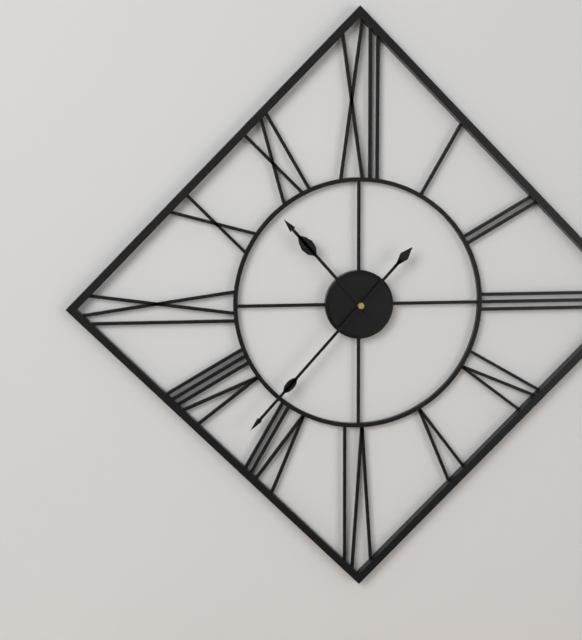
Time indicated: 10,37
